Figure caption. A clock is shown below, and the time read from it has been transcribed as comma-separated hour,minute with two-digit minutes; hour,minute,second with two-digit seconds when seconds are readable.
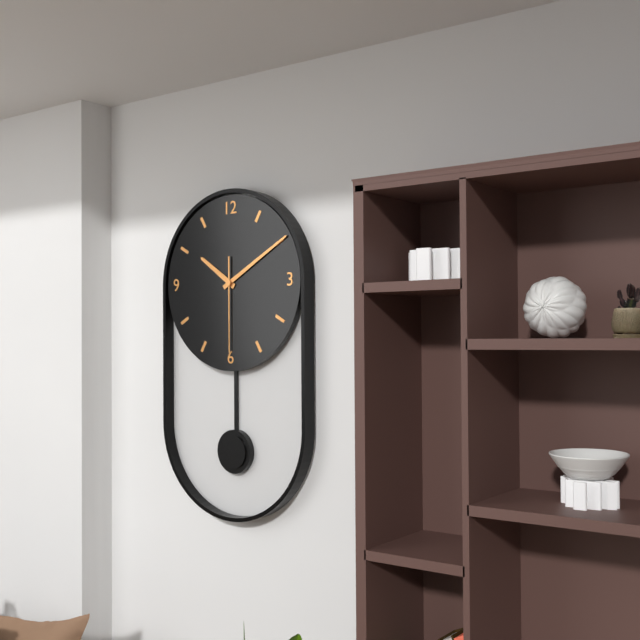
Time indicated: 10,10,30
